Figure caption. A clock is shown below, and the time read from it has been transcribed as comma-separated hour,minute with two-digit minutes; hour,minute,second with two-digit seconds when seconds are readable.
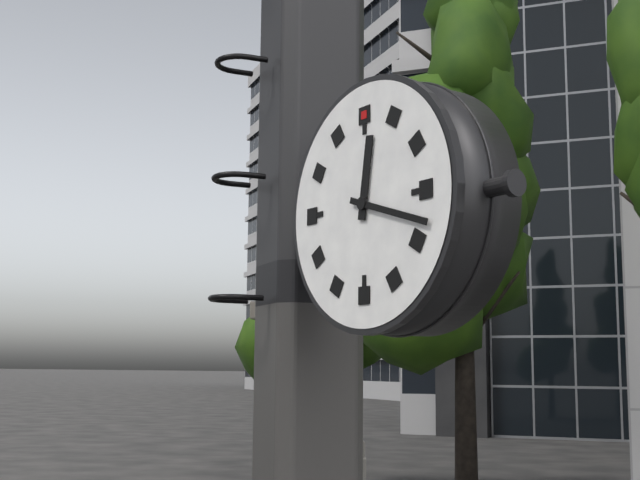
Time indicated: 12,18
